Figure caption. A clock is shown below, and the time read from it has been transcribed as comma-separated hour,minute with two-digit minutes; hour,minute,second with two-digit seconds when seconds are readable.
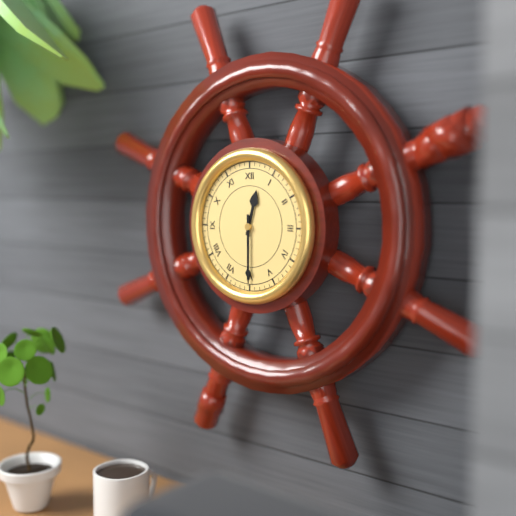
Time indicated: 12,30
